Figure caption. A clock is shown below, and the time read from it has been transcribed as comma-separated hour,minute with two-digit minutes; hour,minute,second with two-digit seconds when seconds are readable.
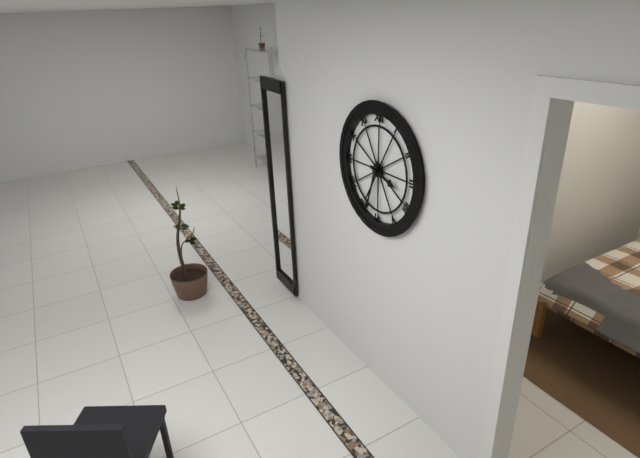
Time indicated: 3,33
